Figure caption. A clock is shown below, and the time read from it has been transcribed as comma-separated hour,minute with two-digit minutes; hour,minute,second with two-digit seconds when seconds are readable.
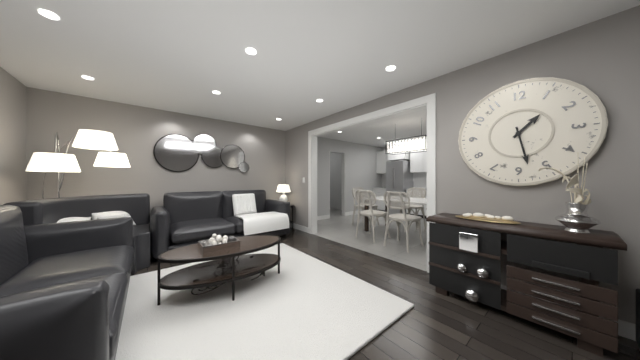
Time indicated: 1,28
